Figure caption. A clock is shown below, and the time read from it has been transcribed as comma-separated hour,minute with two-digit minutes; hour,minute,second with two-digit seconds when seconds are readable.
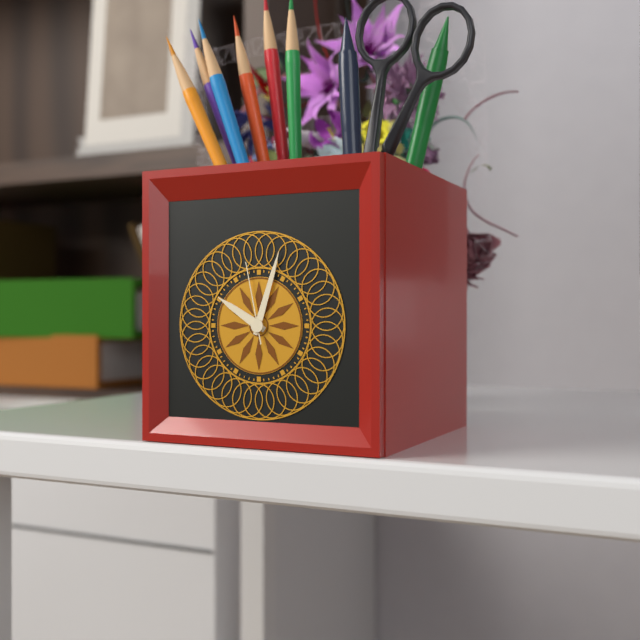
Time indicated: 10,03,58
